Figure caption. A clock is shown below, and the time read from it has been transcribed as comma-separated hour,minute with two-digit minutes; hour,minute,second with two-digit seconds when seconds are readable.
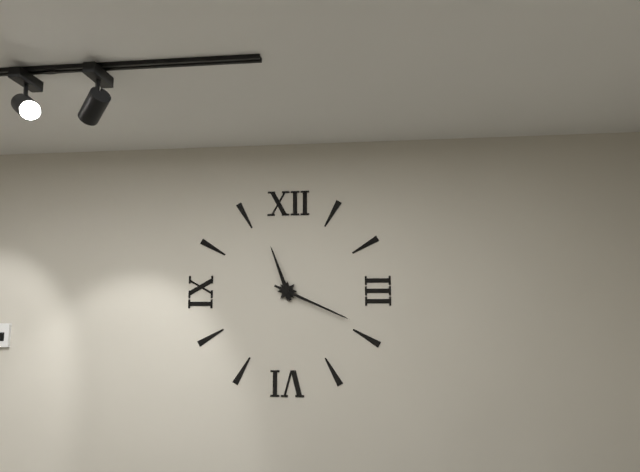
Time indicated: 11,19
